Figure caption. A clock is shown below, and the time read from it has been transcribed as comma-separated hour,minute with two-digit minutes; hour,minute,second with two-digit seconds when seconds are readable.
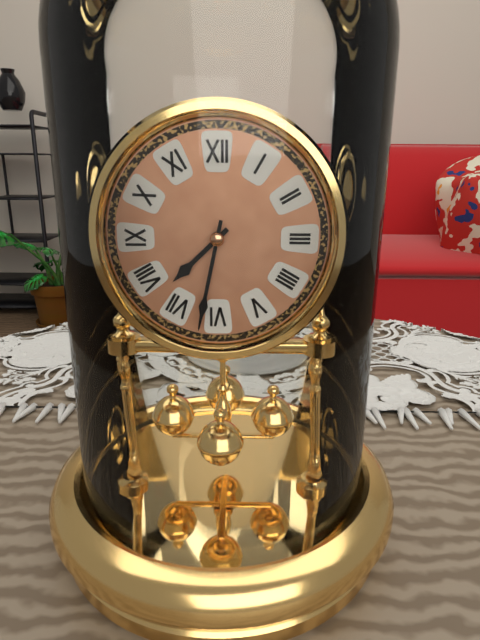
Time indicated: 7,32
